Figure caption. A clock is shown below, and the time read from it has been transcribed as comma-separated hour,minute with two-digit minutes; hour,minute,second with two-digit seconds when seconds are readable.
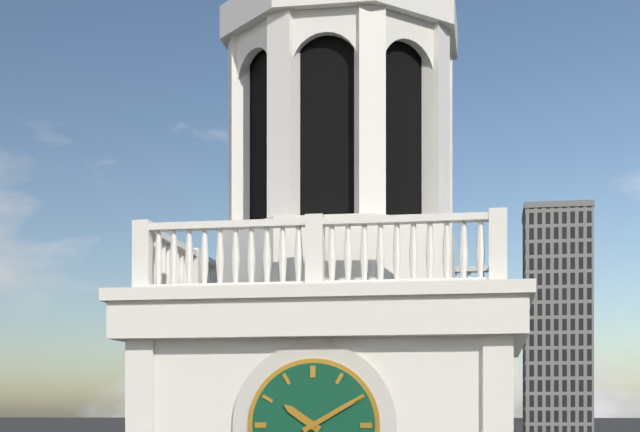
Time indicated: 10,10
